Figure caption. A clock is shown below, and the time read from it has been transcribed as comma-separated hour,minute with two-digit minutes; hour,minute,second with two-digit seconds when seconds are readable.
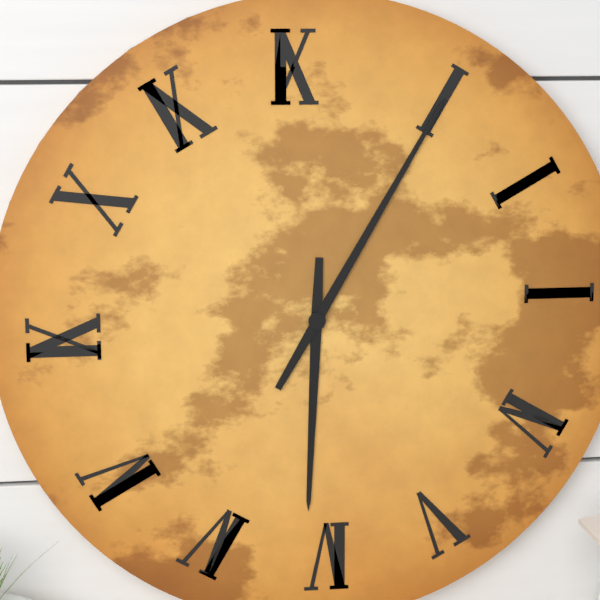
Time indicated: 6,05
